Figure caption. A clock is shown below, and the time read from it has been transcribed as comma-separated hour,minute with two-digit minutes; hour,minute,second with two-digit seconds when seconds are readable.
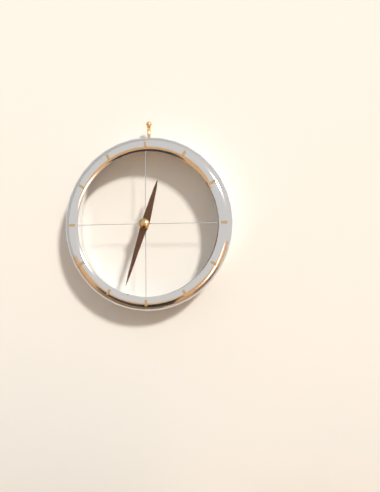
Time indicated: 12,33
